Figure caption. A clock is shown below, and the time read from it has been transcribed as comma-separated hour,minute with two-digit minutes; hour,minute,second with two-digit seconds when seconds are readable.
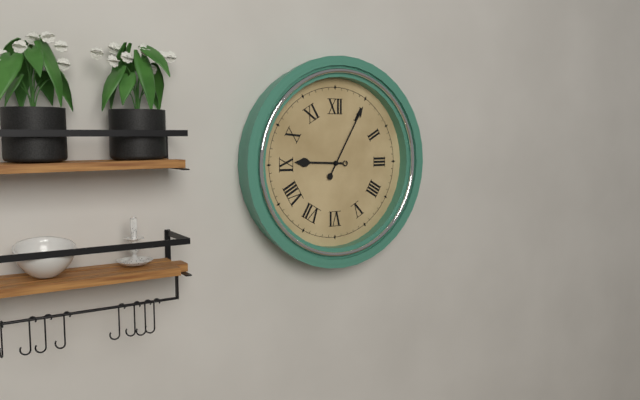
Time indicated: 9,05
